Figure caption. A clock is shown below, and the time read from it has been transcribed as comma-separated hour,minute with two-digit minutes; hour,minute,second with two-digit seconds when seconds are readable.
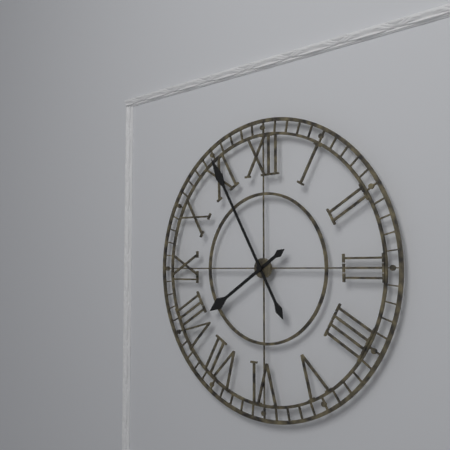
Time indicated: 7,55
